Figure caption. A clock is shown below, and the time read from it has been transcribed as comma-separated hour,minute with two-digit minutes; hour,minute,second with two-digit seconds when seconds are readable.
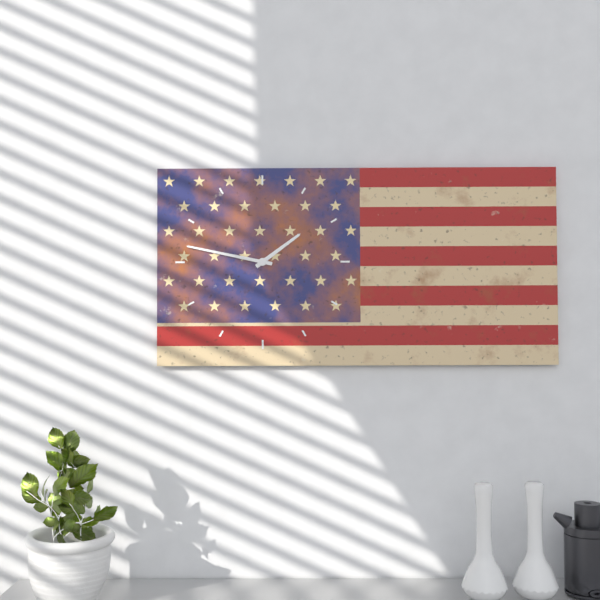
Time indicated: 1,47
